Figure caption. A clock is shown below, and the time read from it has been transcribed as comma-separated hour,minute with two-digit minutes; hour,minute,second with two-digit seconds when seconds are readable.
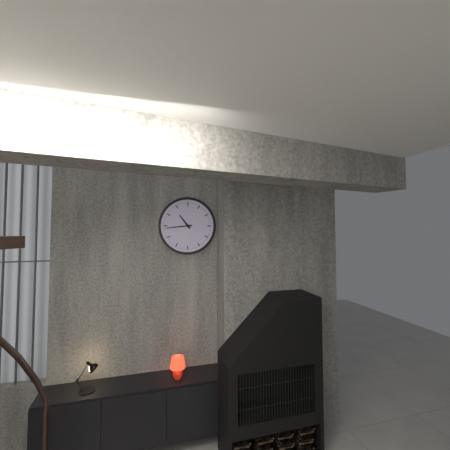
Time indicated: 10,44
